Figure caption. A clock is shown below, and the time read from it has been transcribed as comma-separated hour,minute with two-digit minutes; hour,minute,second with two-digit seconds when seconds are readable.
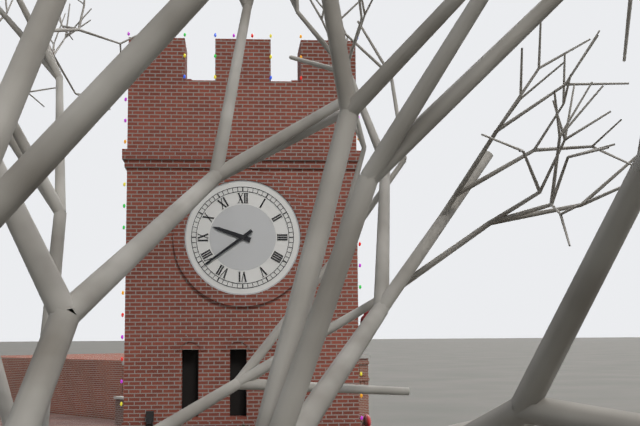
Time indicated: 9,39
